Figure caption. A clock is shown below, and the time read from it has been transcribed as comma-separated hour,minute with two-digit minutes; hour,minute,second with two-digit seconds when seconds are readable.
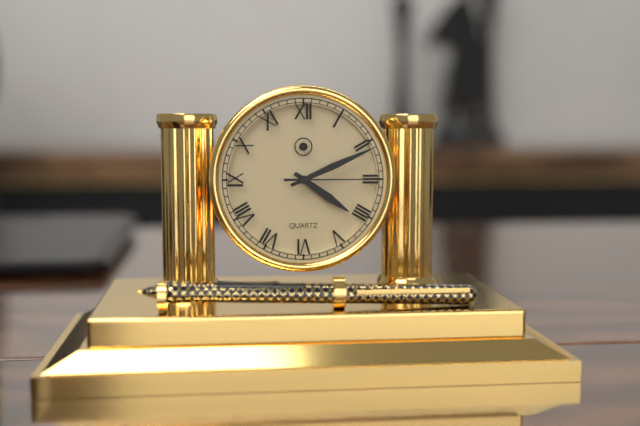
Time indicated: 4,11,15
